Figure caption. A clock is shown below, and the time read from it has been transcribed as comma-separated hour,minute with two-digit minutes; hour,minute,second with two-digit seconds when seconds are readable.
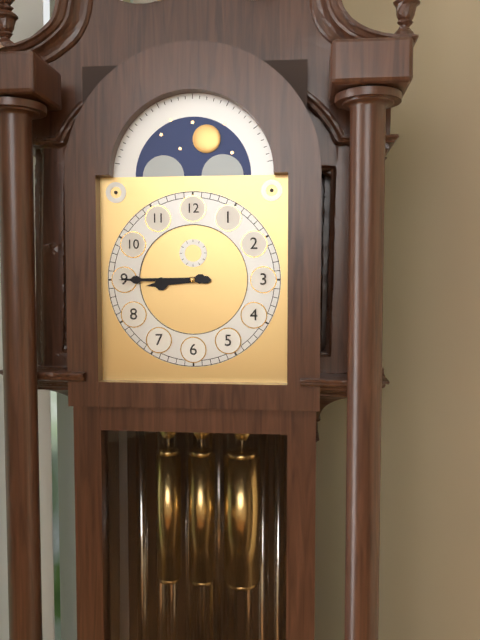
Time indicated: 8,45
